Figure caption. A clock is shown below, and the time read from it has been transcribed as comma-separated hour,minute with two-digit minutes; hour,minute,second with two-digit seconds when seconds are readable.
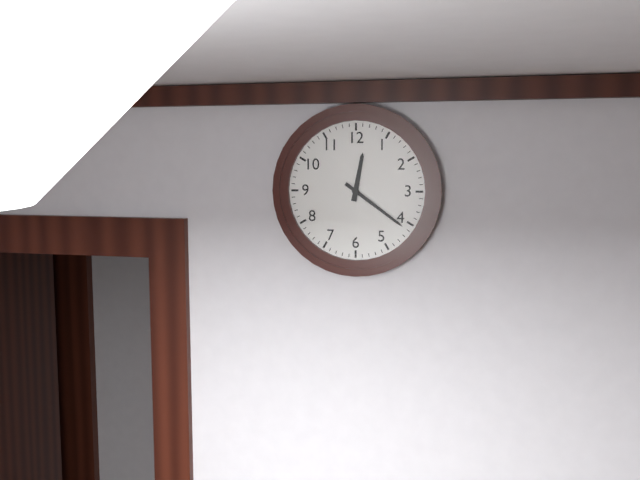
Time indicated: 12,21
